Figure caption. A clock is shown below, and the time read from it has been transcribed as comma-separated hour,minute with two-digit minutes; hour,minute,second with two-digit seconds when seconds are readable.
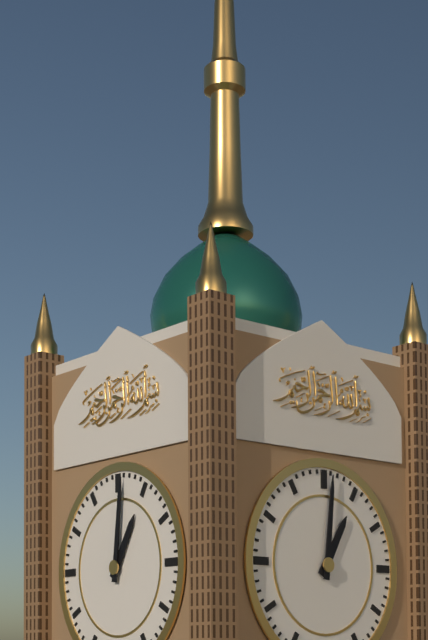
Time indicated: 1,01
